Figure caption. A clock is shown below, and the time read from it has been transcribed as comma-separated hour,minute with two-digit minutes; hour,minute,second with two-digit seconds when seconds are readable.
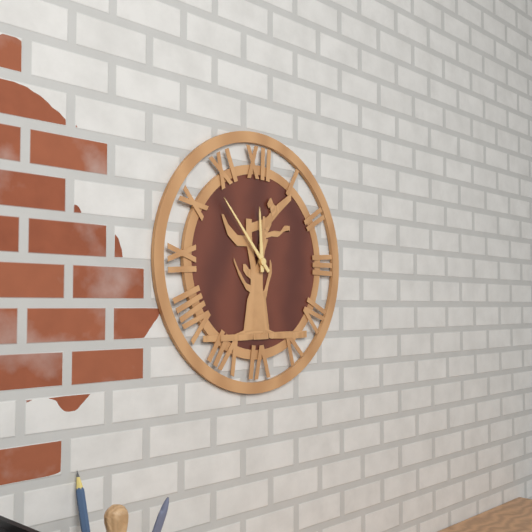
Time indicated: 11,53
